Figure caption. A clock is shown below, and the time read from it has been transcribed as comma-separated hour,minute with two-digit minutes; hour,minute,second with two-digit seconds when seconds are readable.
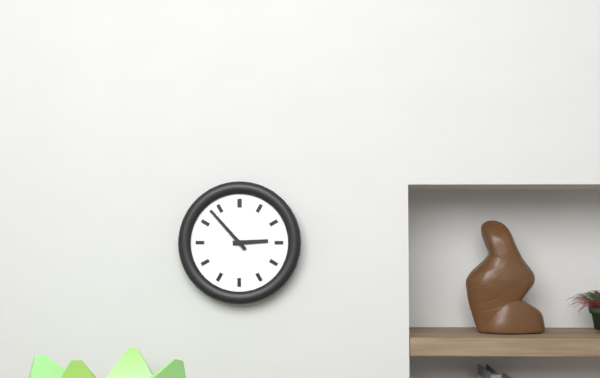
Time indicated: 2,53
